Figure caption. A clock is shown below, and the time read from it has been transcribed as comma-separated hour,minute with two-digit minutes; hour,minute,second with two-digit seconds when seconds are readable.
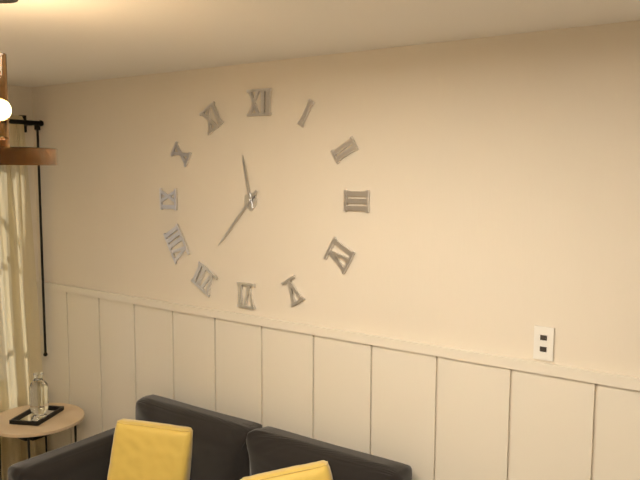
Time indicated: 11,37
